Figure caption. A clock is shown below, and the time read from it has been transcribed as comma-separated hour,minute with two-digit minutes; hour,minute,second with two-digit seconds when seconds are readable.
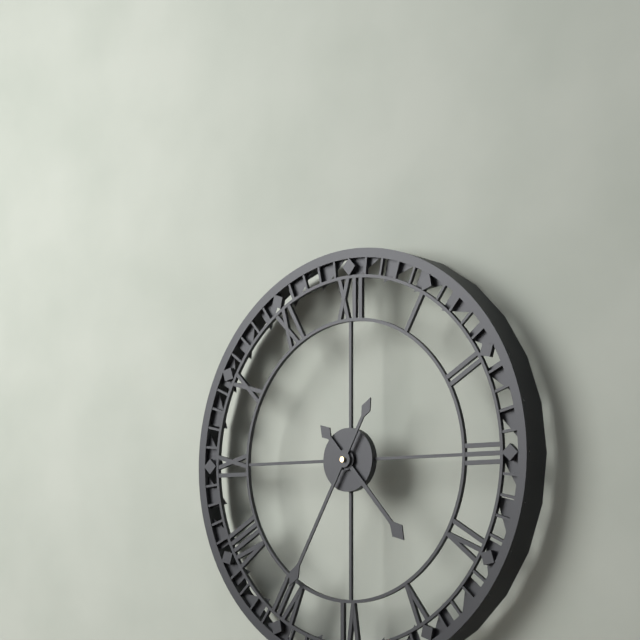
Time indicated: 4,35
